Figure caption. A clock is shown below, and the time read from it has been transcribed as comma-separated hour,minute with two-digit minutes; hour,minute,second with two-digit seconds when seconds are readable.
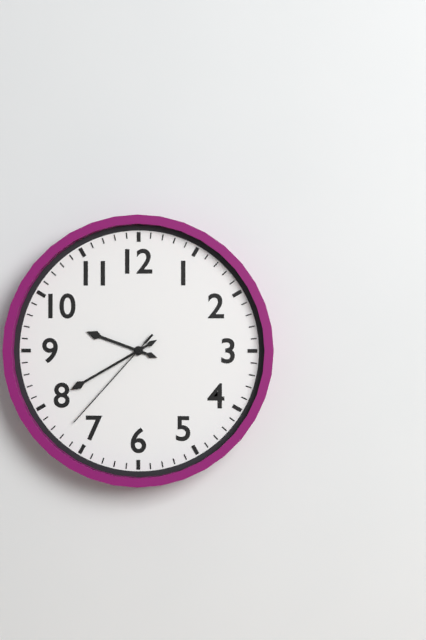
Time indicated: 9,40,37
